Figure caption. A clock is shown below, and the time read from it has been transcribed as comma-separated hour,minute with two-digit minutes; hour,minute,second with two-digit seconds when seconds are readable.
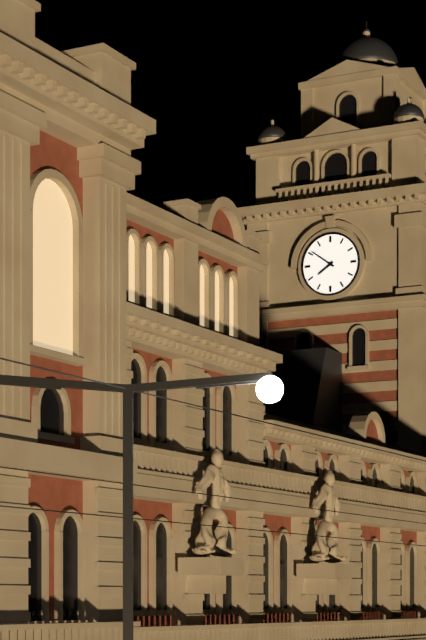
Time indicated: 7,51
